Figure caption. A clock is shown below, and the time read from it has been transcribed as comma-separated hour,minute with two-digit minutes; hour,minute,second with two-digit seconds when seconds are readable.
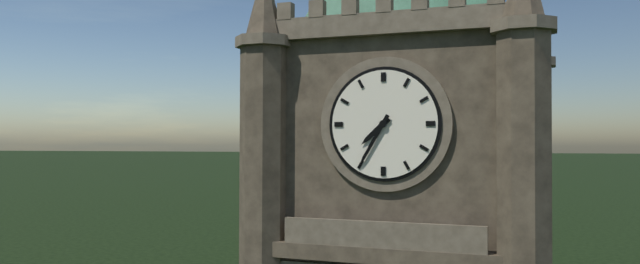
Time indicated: 7,35
